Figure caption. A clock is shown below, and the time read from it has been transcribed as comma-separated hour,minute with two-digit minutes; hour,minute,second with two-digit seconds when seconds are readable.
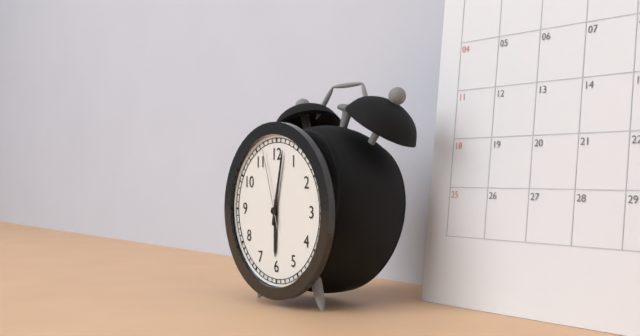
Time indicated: 6,02,57
